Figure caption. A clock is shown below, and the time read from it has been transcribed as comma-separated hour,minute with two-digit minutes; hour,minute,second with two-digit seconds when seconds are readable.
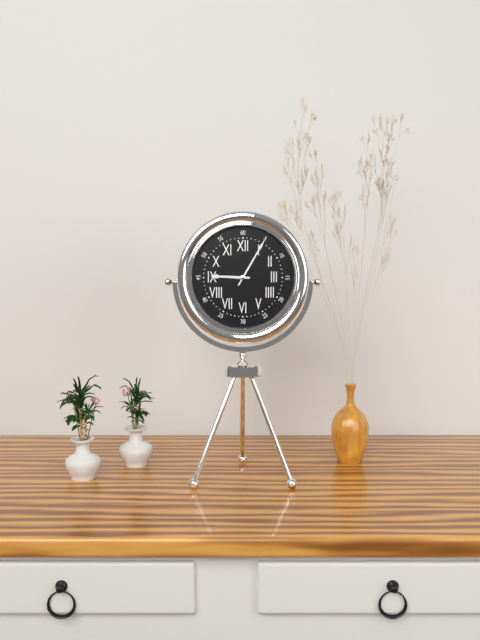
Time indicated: 9,05
